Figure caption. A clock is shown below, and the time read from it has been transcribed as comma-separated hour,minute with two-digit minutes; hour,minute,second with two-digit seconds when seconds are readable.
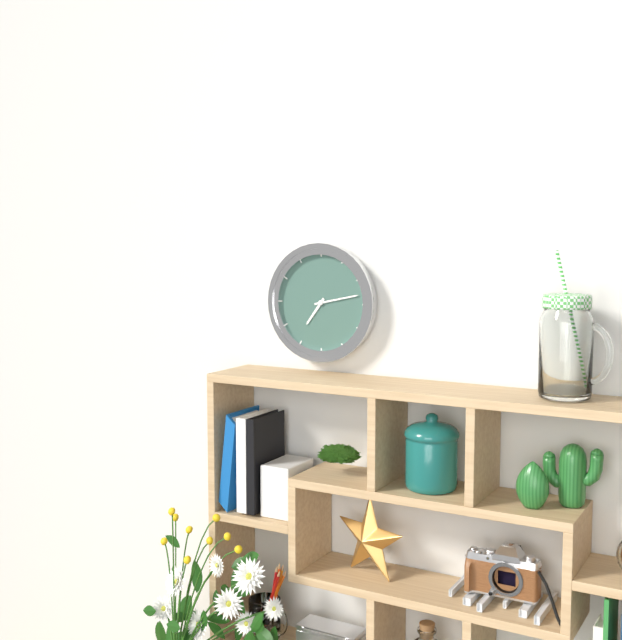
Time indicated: 7,13
